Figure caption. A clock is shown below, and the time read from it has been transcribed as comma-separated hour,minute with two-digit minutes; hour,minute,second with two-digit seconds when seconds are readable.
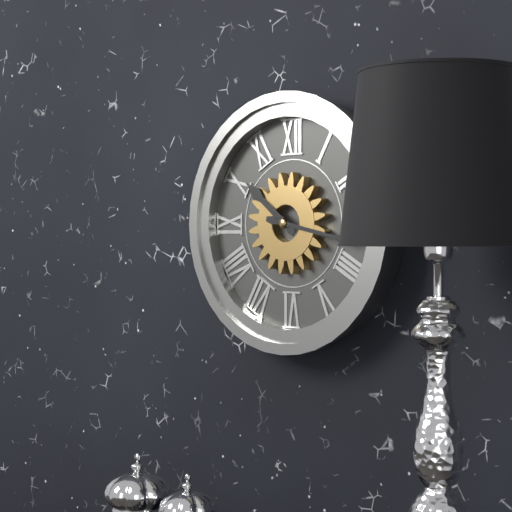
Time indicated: 10,17
